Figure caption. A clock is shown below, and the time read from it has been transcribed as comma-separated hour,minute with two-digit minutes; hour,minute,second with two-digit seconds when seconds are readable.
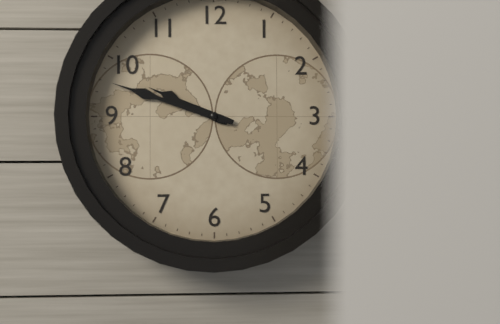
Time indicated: 9,48
